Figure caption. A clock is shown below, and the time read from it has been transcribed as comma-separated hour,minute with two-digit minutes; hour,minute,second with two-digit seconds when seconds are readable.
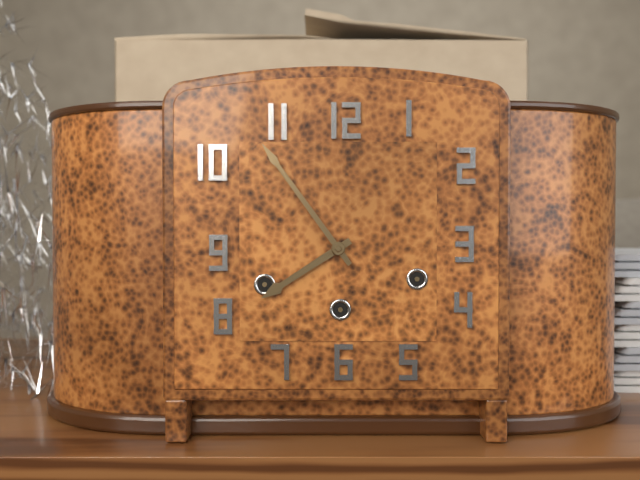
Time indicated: 7,54
